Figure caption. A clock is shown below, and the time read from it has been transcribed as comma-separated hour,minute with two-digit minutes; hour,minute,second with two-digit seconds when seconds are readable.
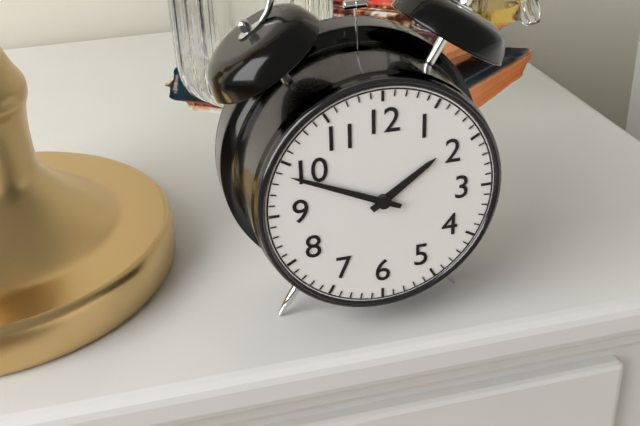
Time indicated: 1,49
